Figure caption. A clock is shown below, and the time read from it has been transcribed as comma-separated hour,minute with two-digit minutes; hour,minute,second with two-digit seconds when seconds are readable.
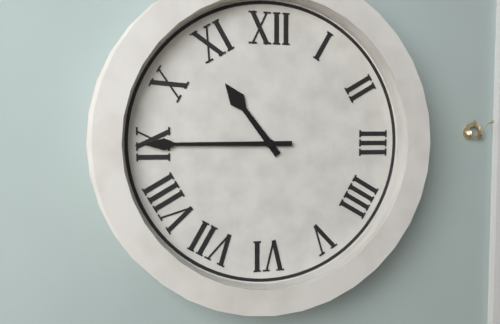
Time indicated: 10,45
